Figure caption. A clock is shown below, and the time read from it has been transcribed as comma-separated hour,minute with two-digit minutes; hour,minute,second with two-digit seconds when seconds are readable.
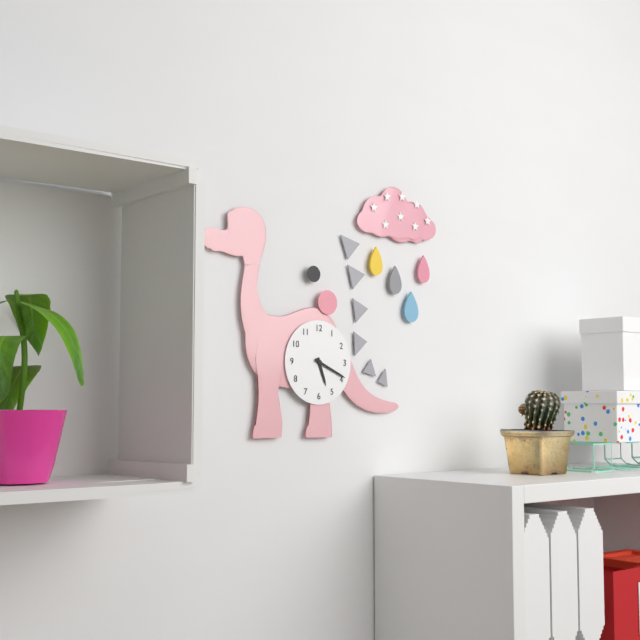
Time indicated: 5,19
